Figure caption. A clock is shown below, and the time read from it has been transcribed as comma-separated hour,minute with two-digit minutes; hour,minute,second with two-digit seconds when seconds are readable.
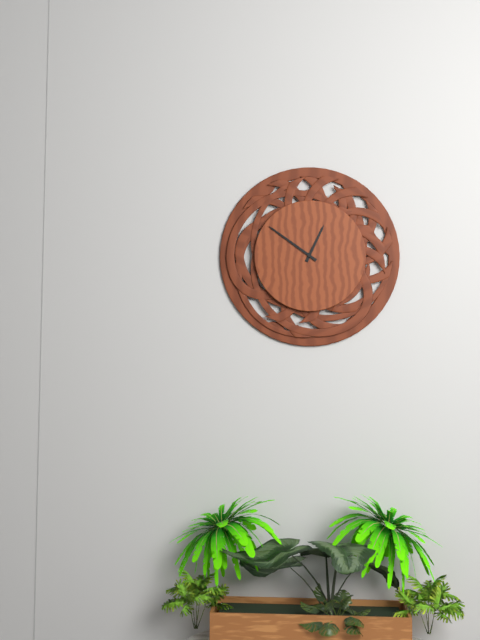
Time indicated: 12,51
